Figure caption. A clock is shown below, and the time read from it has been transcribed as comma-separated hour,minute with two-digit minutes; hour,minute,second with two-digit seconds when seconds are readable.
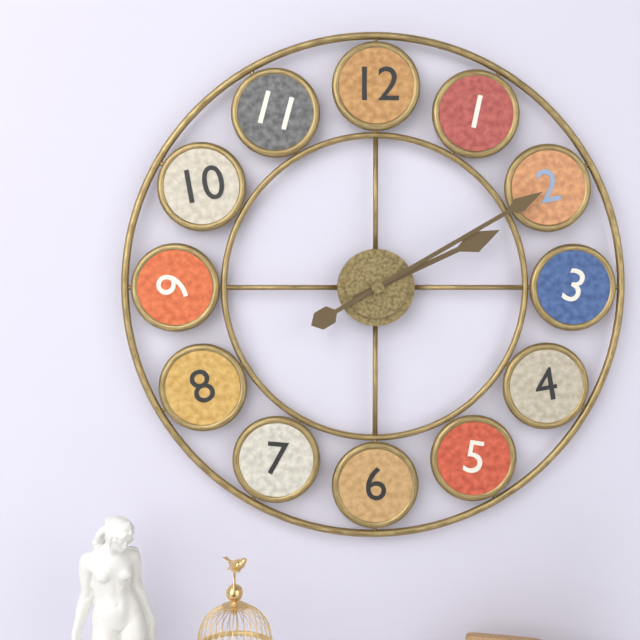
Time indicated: 2,10
